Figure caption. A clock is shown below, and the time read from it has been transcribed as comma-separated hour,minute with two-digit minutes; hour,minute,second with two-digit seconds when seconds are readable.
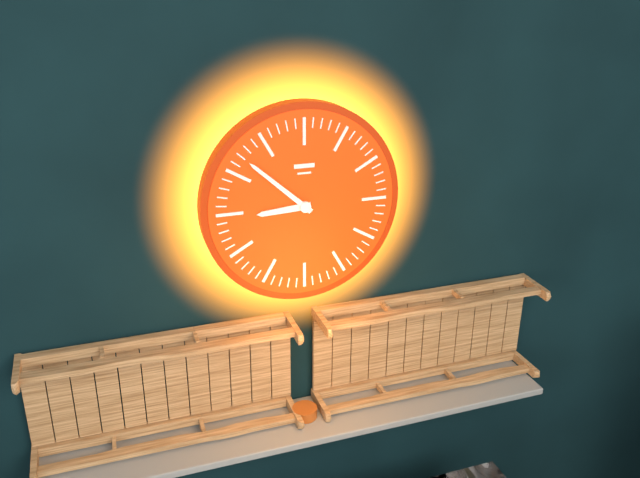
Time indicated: 8,52
